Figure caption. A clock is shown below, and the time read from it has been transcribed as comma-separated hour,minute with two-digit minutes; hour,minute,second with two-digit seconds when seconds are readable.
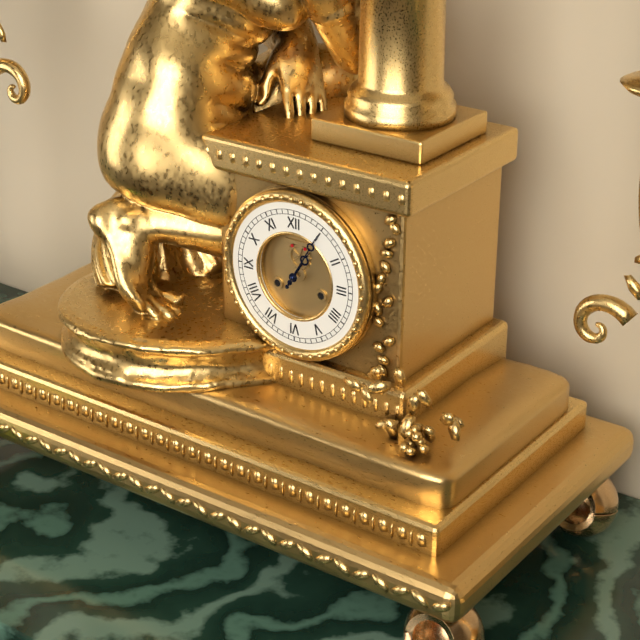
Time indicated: 1,05
